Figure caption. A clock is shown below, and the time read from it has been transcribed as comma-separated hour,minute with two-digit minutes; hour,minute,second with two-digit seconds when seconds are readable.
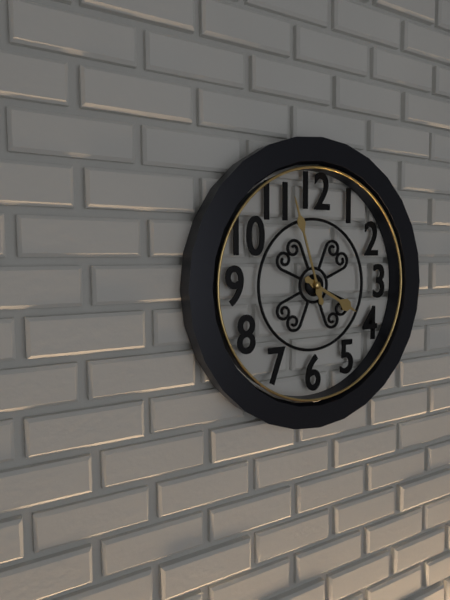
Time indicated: 3,57
